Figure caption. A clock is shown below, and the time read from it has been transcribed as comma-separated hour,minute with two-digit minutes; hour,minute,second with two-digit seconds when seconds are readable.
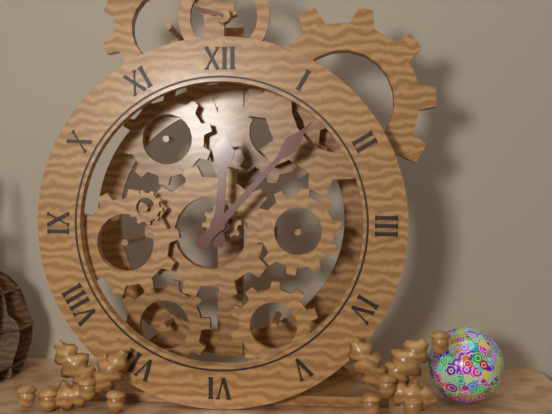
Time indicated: 12,07
